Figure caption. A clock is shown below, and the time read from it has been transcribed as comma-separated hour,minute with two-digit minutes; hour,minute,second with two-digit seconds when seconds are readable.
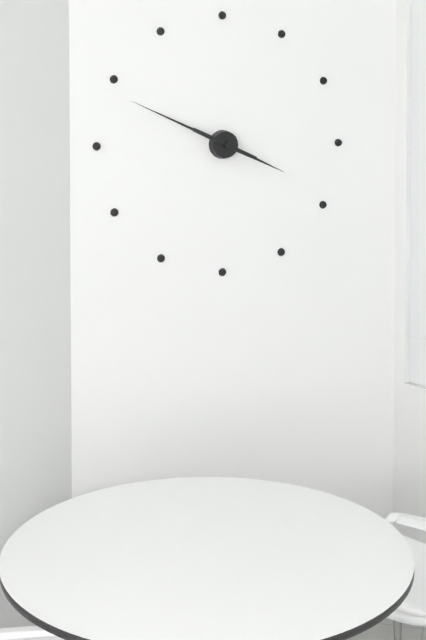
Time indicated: 3,49
